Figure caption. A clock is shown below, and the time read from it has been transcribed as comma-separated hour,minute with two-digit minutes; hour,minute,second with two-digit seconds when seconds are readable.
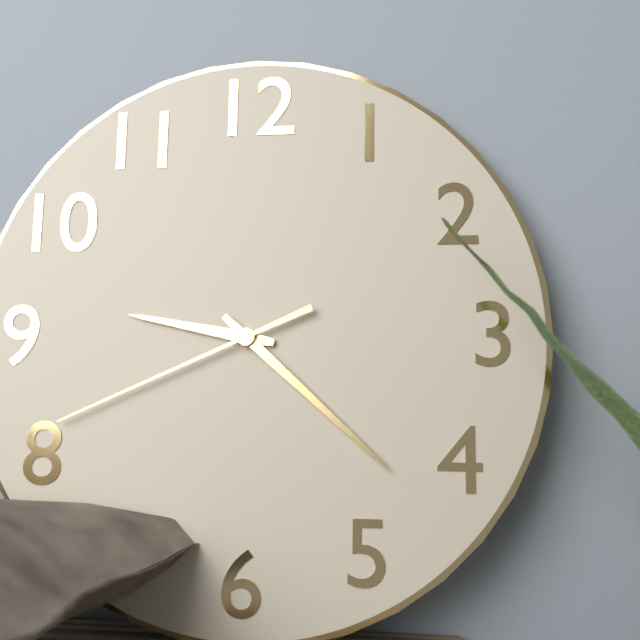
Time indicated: 9,22,41
